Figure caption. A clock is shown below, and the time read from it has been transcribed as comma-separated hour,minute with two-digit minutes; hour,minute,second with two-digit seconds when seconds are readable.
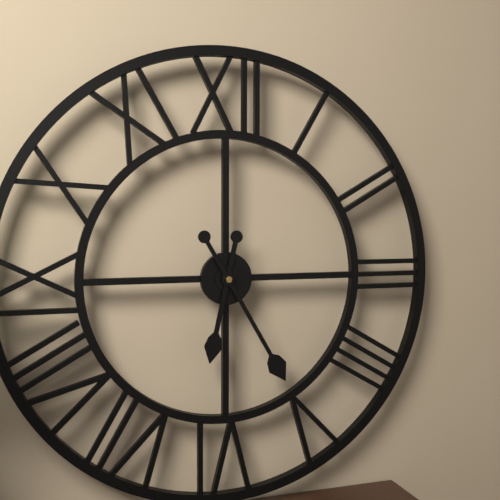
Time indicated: 6,25
